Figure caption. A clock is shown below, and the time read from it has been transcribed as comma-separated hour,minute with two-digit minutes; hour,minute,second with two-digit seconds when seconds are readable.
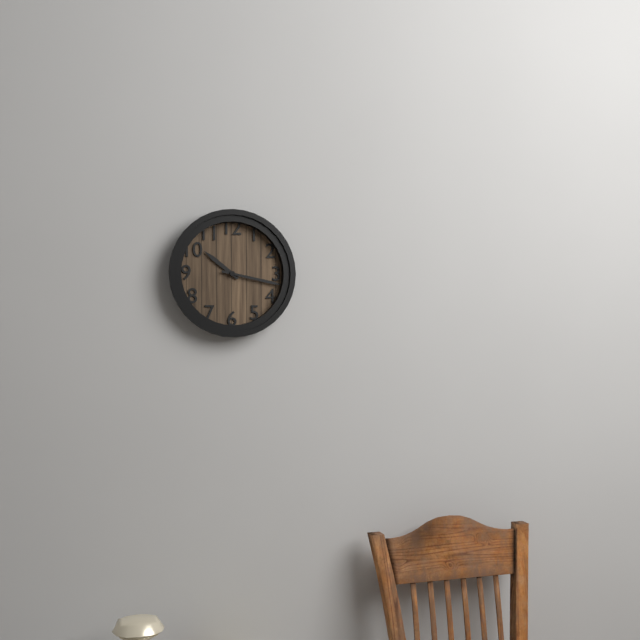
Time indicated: 10,17
